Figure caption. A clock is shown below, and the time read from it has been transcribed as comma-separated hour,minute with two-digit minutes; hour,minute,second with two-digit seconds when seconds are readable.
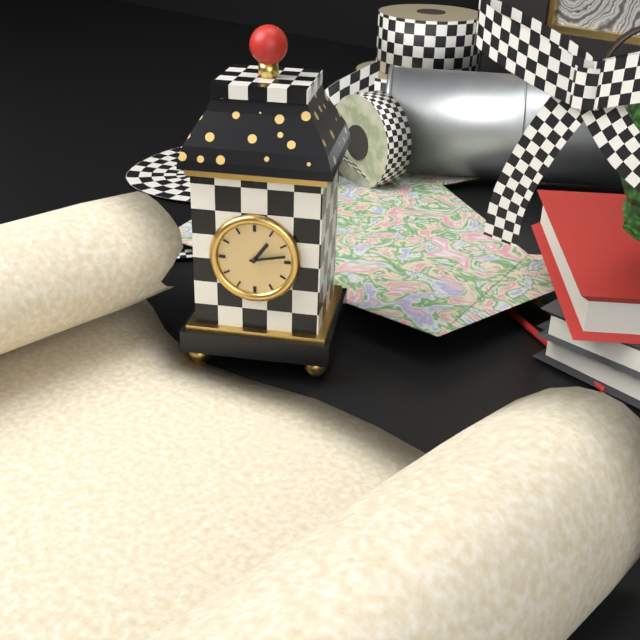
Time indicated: 1,13
